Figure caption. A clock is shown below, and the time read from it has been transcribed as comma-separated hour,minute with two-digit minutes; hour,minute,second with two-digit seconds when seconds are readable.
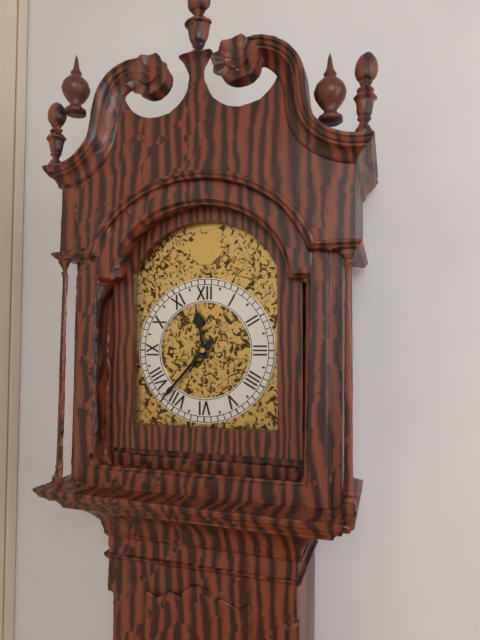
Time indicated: 11,37
